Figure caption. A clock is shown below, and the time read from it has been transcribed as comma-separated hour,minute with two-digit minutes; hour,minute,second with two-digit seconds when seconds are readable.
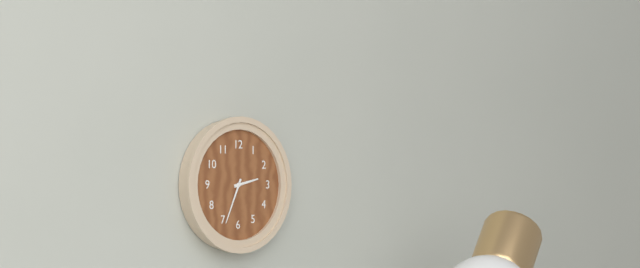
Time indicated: 2,34
